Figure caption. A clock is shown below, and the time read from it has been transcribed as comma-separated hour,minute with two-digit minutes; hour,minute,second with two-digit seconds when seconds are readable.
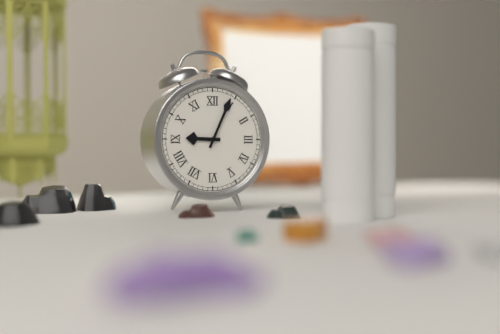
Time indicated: 9,04
